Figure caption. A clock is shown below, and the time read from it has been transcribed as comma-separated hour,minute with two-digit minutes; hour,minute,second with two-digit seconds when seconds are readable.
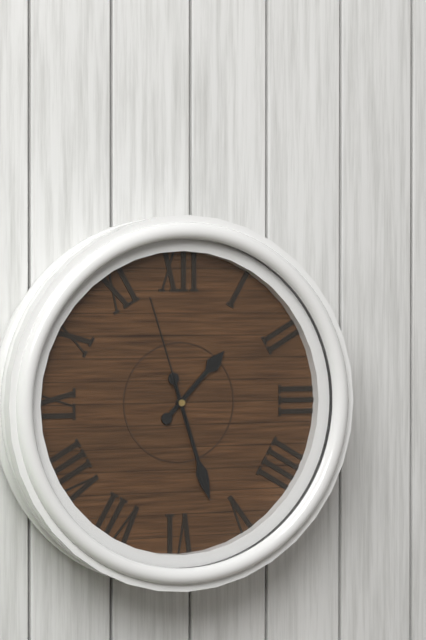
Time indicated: 1,27,57
